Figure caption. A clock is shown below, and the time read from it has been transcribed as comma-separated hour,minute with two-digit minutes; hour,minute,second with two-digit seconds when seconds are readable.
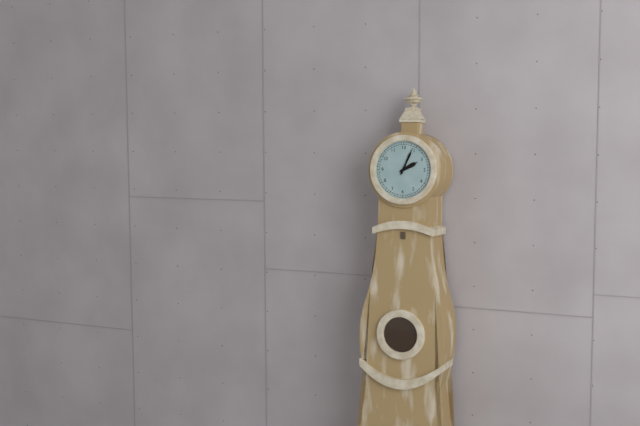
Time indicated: 2,04
